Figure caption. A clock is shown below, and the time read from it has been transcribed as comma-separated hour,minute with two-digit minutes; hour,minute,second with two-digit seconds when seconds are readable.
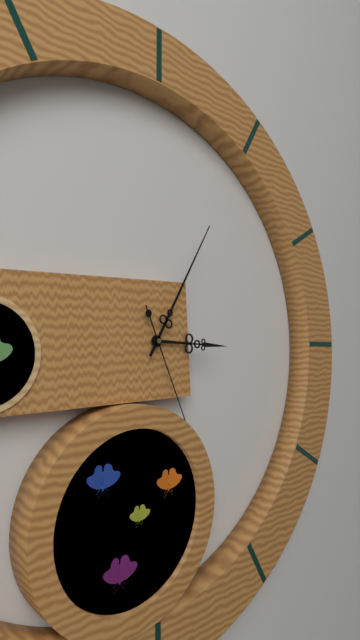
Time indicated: 3,05
